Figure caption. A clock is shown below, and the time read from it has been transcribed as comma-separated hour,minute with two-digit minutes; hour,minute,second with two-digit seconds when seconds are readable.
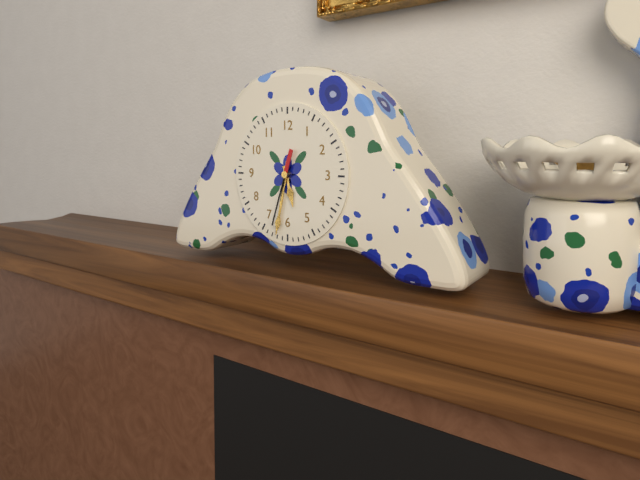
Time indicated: 5,32,33
